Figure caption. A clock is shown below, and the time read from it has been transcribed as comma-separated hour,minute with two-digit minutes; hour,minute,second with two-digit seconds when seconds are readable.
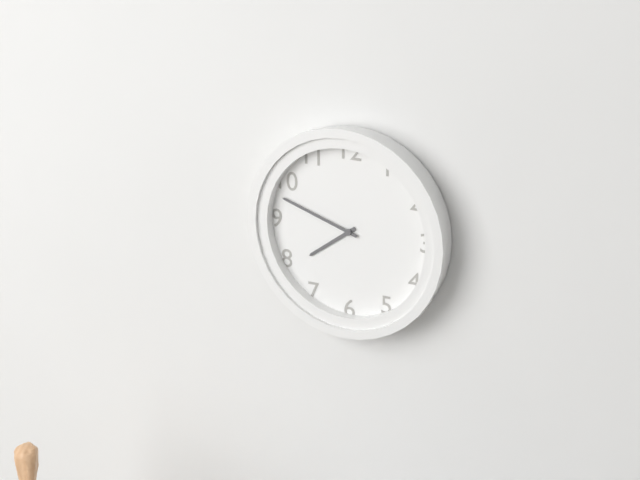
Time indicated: 7,48
